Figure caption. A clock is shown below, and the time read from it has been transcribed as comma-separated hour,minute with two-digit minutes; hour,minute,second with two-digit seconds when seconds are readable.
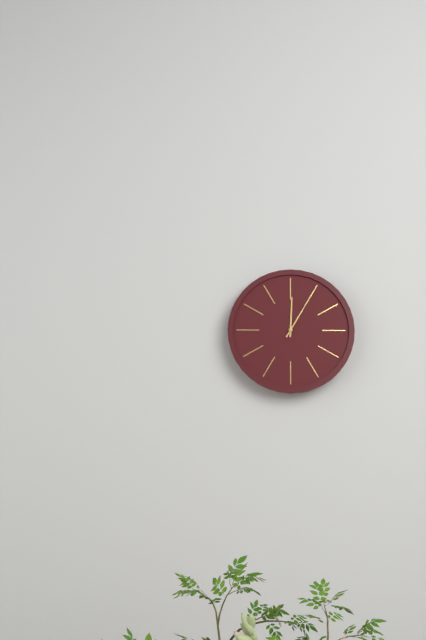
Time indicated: 12,05
